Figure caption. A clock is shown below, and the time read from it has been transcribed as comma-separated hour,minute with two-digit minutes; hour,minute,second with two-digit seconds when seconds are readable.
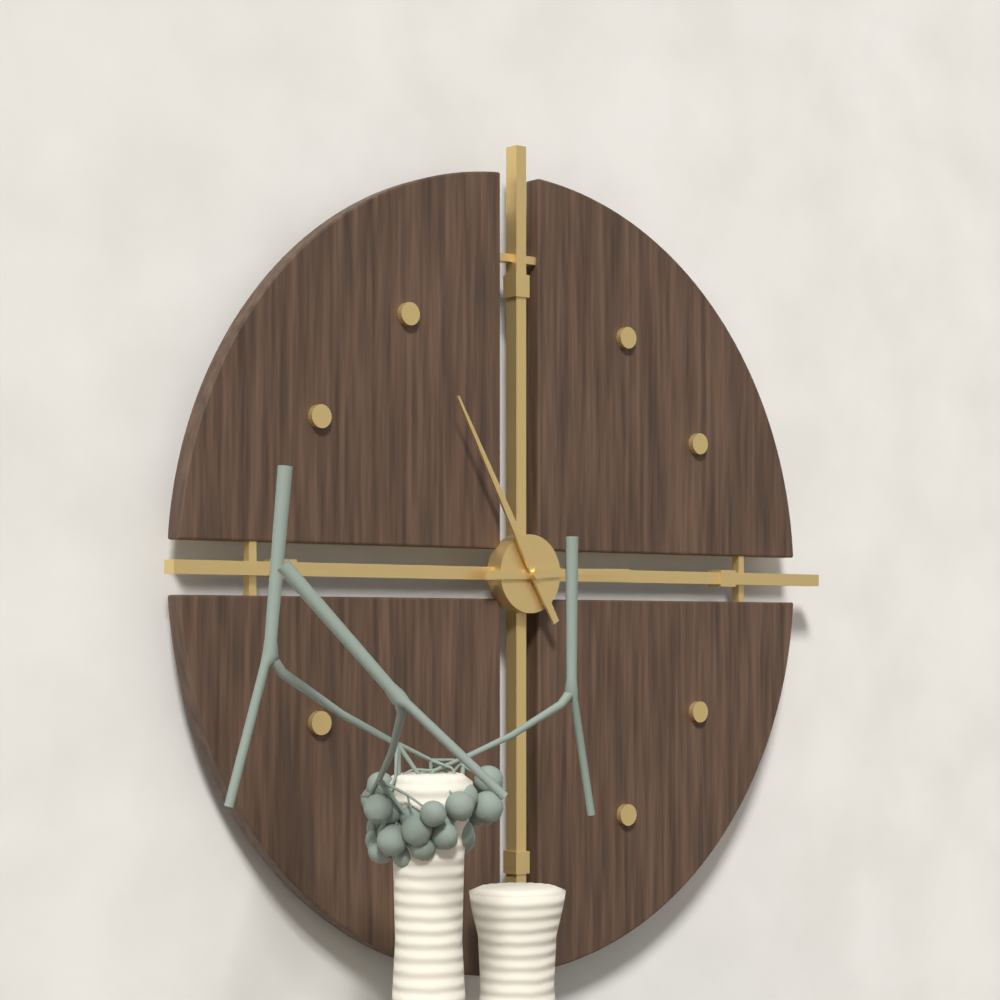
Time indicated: 2,55
